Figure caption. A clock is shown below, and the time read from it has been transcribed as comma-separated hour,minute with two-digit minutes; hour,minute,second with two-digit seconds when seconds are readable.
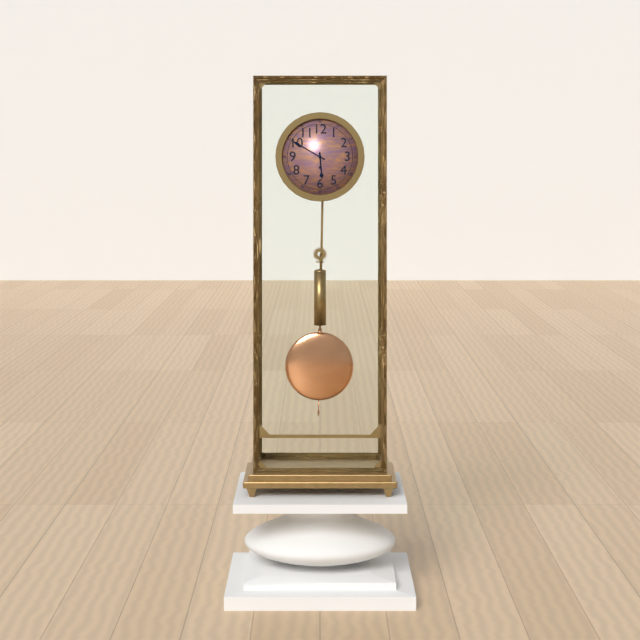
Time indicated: 5,50
